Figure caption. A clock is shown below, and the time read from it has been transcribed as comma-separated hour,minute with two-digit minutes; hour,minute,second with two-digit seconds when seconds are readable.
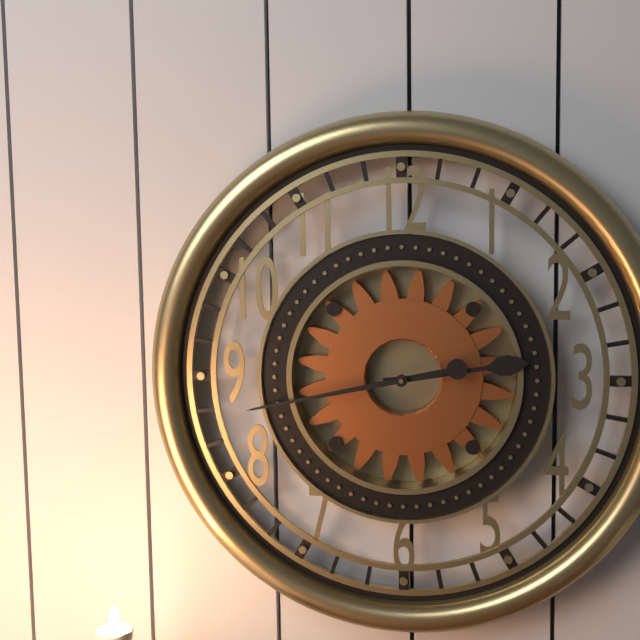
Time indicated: 2,43
